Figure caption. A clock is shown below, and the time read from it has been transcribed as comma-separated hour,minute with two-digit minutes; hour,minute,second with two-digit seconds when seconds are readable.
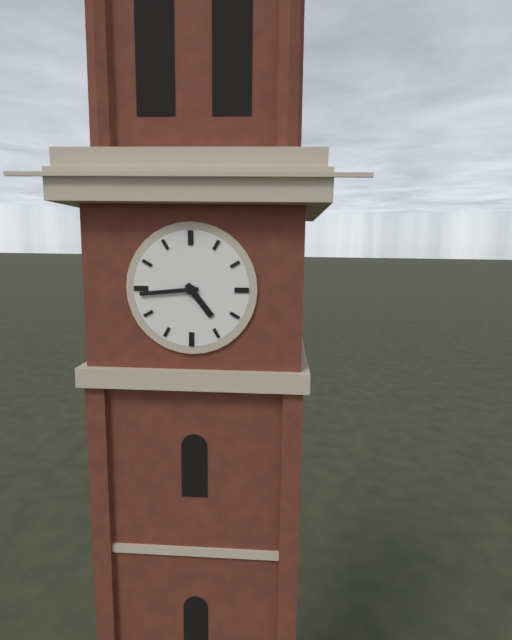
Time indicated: 4,44
